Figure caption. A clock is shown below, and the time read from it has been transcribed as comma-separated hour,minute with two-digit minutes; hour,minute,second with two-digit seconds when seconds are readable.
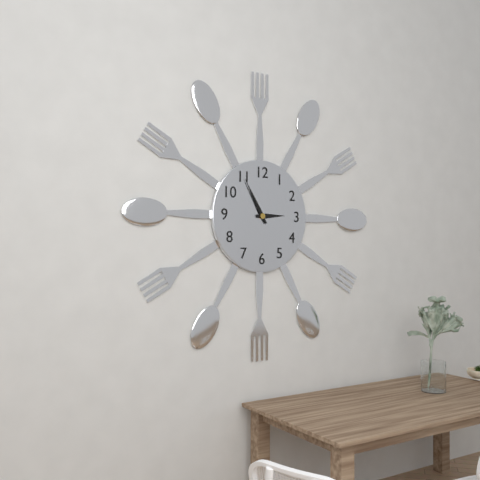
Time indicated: 2,55
